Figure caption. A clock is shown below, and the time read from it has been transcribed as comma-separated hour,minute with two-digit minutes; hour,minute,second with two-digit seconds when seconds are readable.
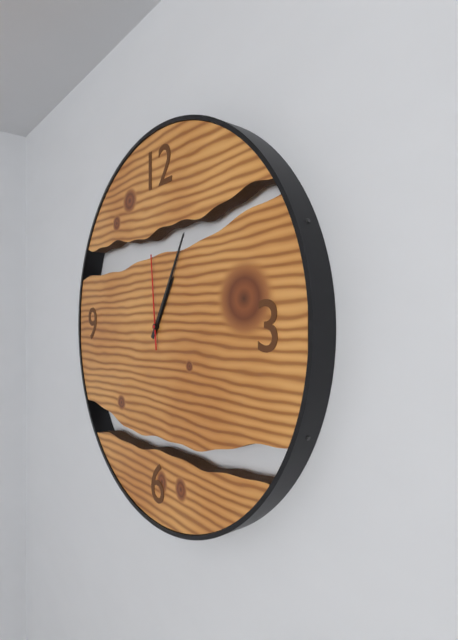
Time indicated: 1,05,59
